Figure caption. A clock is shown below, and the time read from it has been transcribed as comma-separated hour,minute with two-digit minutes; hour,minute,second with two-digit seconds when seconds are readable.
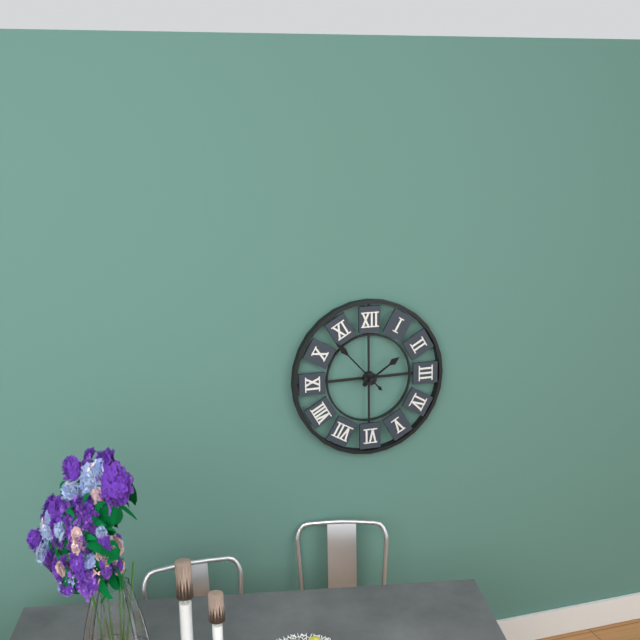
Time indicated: 1,53
